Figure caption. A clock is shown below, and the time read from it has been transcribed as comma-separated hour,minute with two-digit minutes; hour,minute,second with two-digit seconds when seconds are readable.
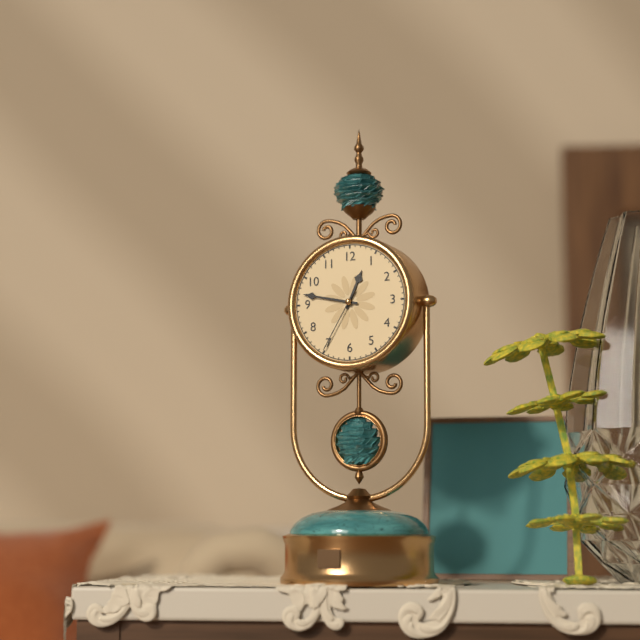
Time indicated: 12,47,35
